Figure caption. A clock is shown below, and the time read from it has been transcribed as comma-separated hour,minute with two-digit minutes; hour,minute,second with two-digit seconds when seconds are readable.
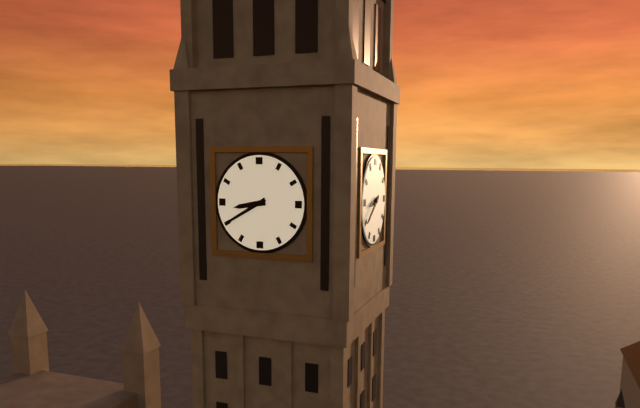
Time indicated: 8,40
